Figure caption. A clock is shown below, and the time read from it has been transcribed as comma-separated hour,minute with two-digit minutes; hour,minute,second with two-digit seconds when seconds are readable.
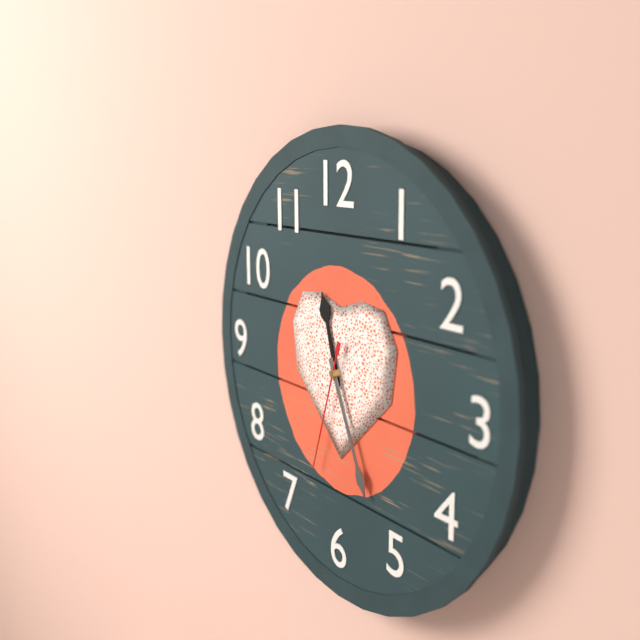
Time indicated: 11,26,33
